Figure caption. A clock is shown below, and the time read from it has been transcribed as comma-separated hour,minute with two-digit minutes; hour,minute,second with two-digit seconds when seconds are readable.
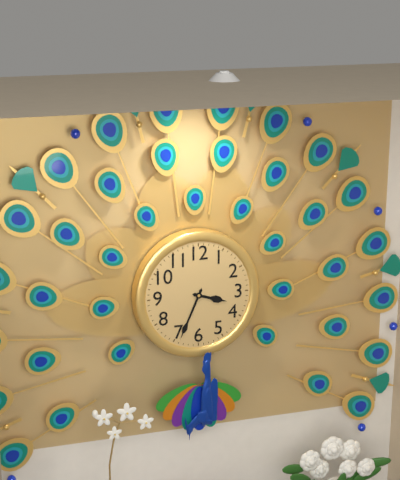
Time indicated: 3,34
